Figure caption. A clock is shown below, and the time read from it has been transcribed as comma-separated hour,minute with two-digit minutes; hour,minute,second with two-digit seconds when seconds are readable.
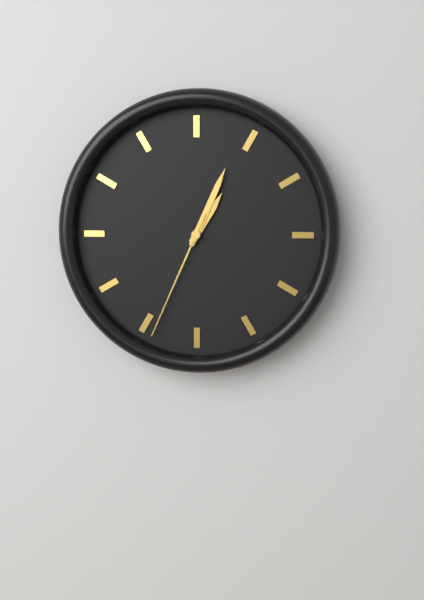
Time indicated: 1,04,34
